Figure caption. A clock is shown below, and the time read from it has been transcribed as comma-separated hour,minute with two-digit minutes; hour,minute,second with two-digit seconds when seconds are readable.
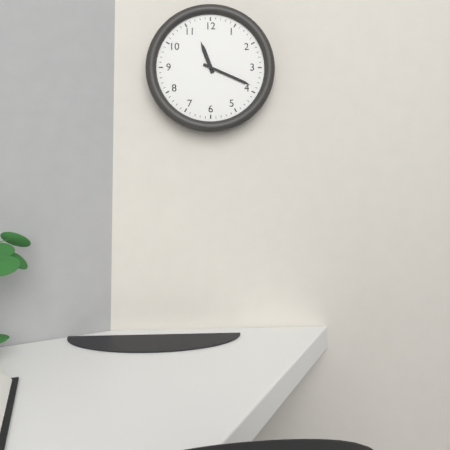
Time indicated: 11,19
